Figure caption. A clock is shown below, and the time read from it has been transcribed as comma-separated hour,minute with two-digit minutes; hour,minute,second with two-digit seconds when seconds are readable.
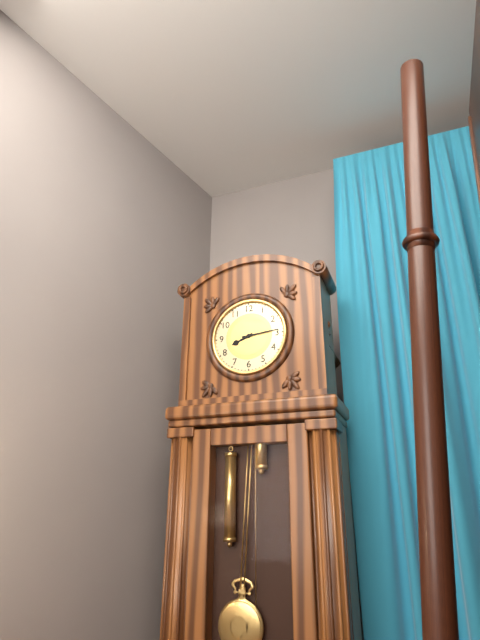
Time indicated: 8,14
